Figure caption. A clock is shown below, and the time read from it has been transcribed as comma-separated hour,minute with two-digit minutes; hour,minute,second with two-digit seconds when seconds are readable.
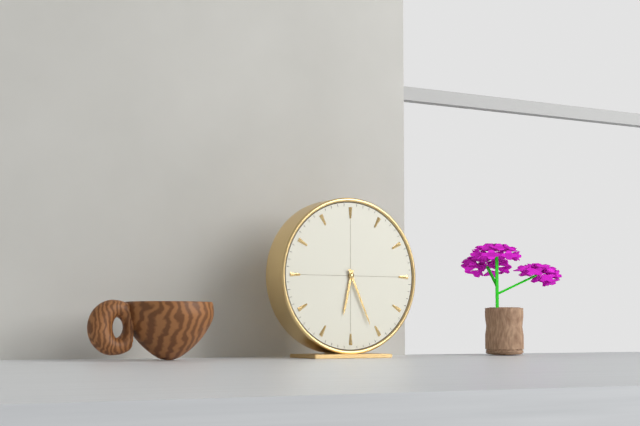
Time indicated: 6,26
